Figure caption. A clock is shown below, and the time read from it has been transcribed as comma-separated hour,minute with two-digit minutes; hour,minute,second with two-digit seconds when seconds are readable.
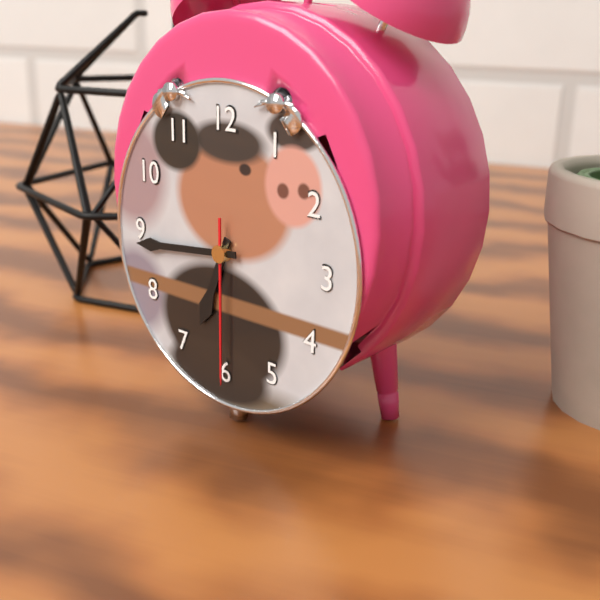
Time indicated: 6,44,30
